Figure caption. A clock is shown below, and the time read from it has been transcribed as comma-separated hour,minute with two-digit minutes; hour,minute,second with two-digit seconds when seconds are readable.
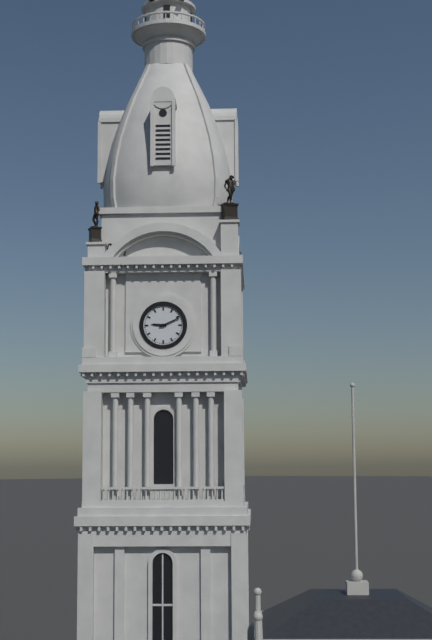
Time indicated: 9,11
